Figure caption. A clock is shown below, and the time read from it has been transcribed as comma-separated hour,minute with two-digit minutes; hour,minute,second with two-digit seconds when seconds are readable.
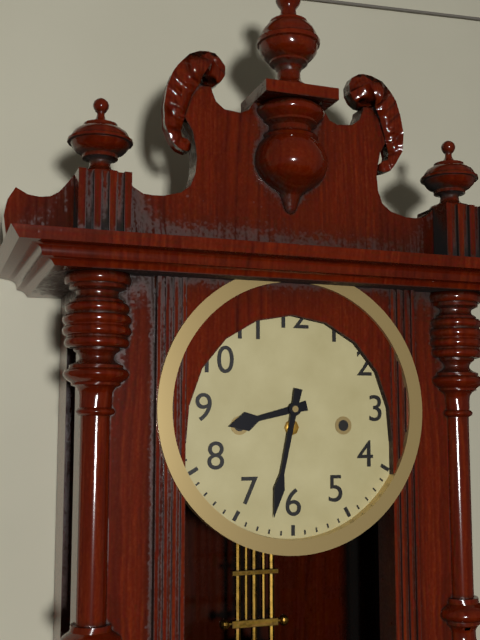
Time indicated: 8,32
